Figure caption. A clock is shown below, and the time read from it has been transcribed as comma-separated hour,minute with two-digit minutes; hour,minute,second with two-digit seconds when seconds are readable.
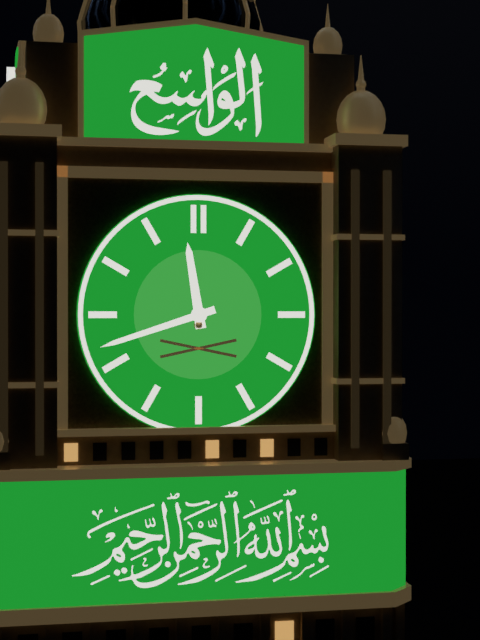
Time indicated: 11,42
